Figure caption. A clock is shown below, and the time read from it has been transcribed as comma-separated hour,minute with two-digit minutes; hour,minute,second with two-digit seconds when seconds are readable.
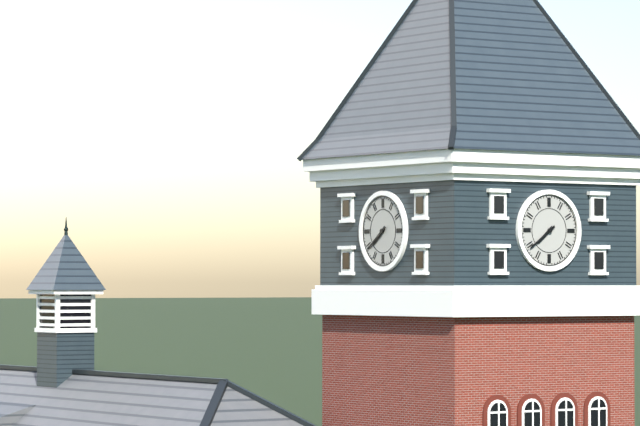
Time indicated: 7,39
